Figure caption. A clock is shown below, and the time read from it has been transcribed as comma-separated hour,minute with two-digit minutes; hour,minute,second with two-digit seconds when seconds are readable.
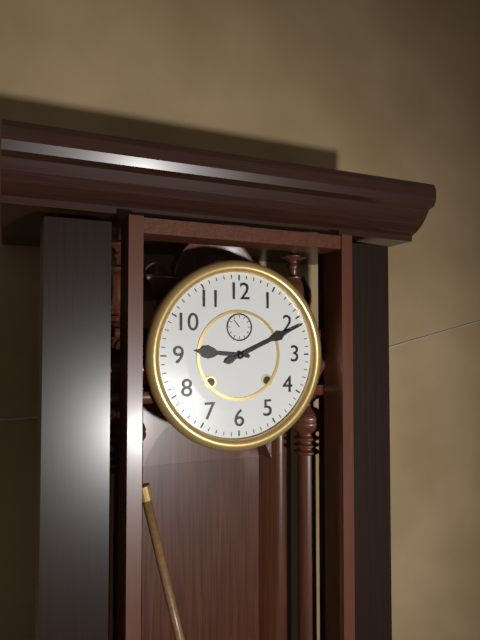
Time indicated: 9,11
